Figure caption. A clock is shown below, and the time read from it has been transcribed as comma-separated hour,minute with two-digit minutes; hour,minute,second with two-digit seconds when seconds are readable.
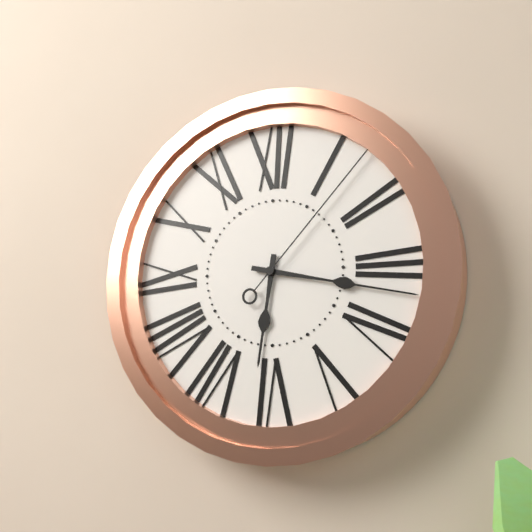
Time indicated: 6,17,07
